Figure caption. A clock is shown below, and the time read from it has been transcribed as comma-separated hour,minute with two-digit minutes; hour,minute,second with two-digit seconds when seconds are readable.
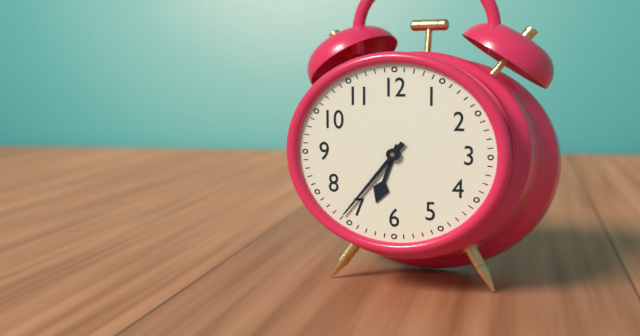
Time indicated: 6,36
